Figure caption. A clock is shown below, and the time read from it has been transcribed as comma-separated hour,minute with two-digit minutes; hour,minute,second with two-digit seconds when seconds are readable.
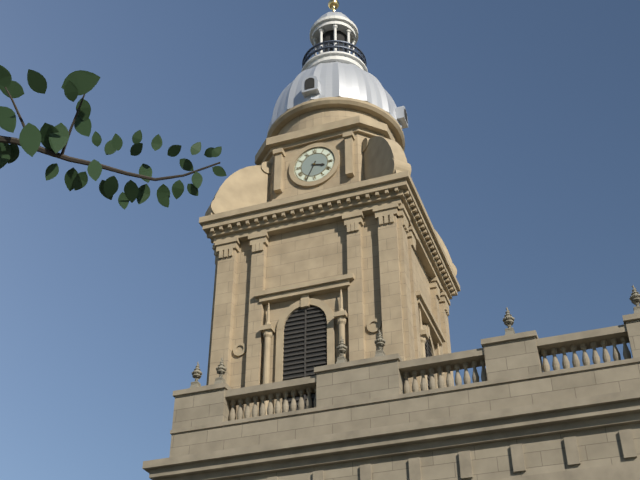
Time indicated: 3,34
